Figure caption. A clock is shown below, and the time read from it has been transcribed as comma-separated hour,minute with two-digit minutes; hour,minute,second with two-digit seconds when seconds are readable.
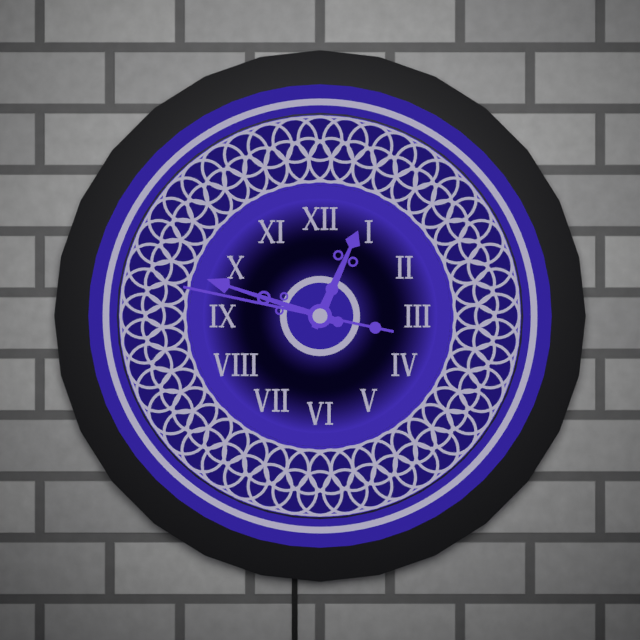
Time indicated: 12,48,47
